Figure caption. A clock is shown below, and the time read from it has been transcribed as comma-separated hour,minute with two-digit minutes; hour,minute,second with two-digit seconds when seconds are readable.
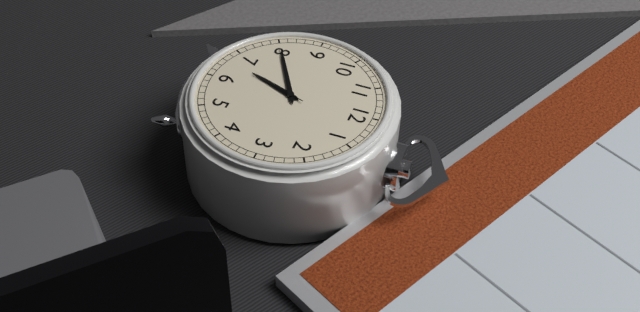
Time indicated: 6,40,33
